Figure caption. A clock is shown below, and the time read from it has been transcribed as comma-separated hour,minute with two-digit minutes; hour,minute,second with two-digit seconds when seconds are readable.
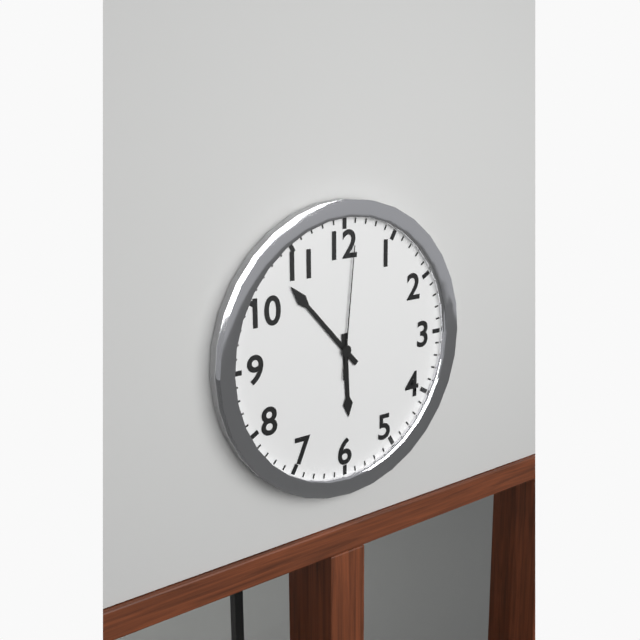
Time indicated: 5,53,01
